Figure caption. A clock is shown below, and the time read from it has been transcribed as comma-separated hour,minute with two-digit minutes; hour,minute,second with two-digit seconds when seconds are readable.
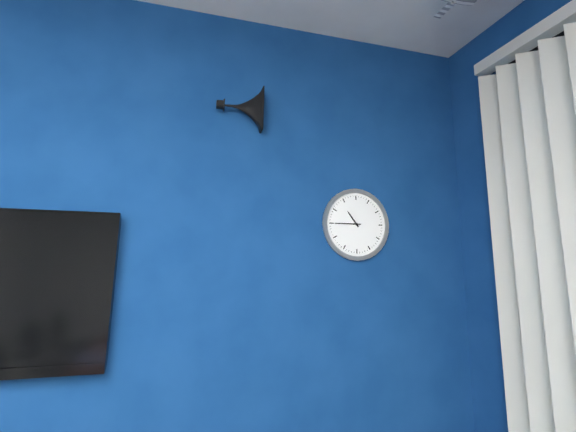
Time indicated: 10,45
